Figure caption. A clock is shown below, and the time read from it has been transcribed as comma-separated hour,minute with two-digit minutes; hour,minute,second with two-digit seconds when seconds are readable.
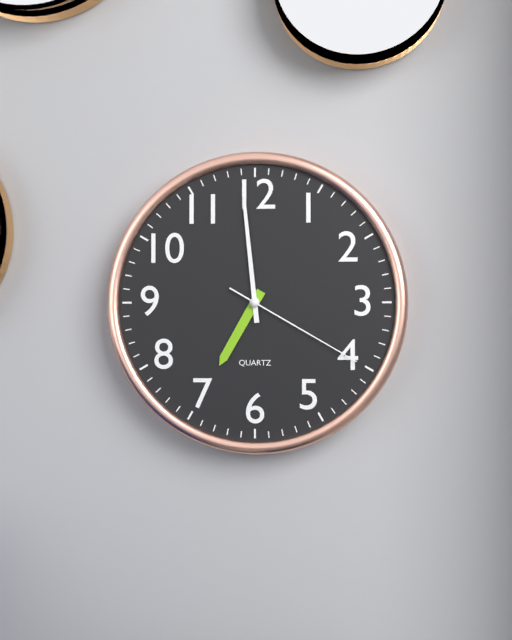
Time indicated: 6,59,20
